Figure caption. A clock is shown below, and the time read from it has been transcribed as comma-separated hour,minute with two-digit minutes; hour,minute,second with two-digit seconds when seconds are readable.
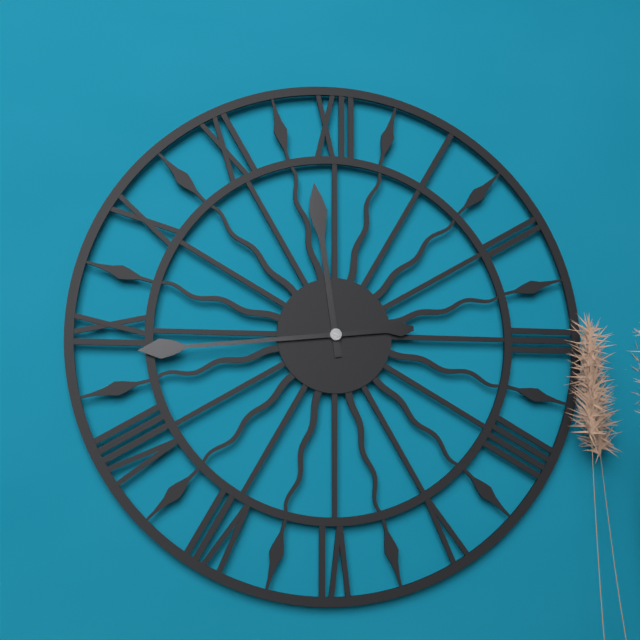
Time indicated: 11,44
